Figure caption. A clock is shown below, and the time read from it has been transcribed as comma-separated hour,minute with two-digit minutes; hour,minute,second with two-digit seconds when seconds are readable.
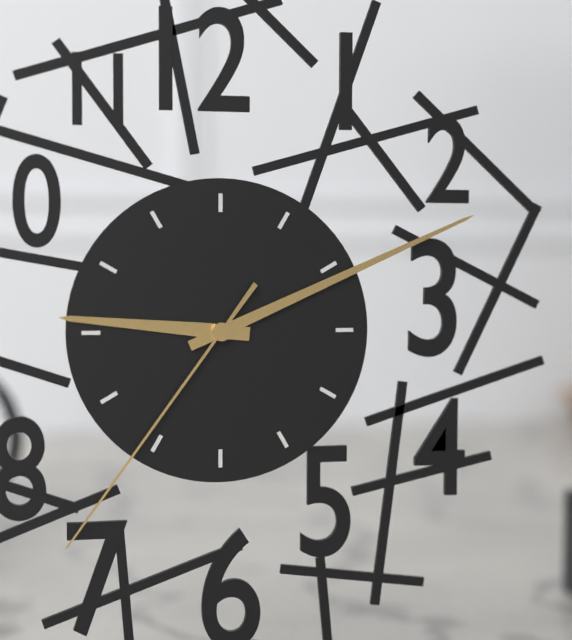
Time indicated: 9,11,36
